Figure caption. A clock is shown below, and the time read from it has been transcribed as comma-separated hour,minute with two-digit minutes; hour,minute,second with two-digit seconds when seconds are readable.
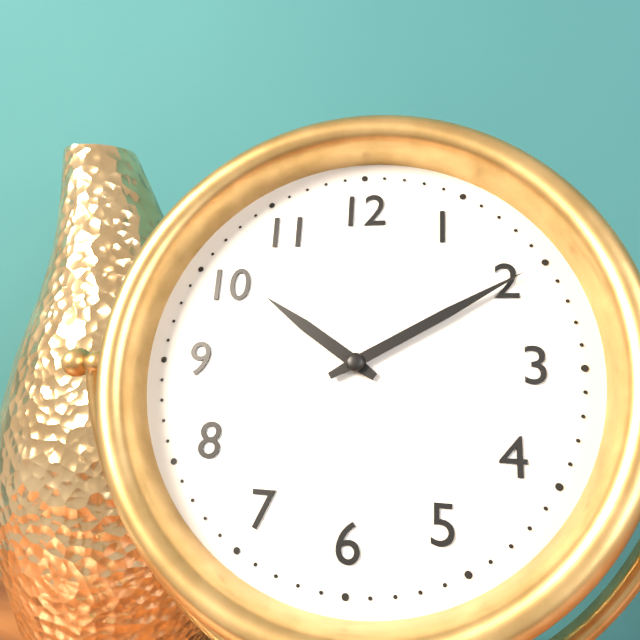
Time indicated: 10,10
